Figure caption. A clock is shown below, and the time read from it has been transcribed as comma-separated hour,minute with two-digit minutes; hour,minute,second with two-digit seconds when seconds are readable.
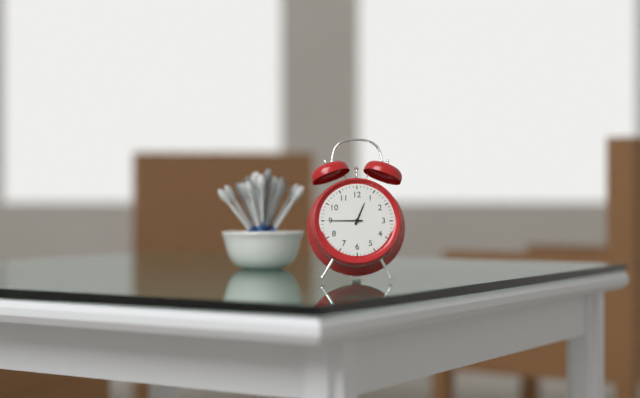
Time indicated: 12,45
